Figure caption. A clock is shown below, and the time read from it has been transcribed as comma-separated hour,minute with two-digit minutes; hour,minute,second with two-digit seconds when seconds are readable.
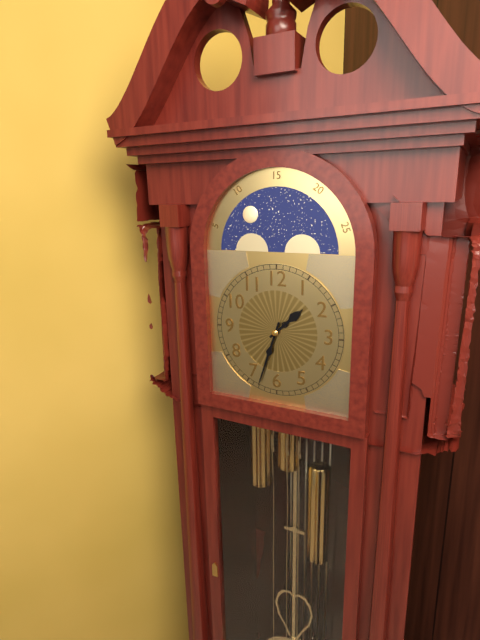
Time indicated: 1,33
